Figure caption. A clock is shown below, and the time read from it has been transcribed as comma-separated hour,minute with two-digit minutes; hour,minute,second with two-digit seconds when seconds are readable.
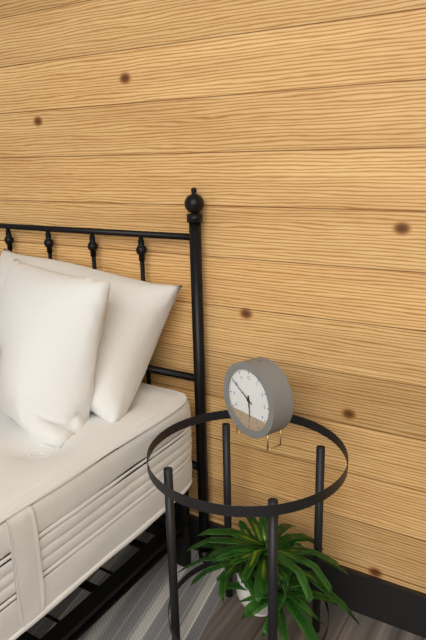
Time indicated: 5,50
